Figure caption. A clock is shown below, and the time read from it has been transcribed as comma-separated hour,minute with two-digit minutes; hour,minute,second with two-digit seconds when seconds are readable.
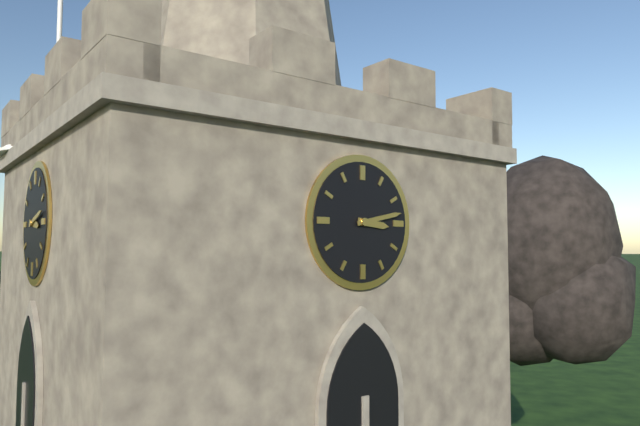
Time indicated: 3,13
